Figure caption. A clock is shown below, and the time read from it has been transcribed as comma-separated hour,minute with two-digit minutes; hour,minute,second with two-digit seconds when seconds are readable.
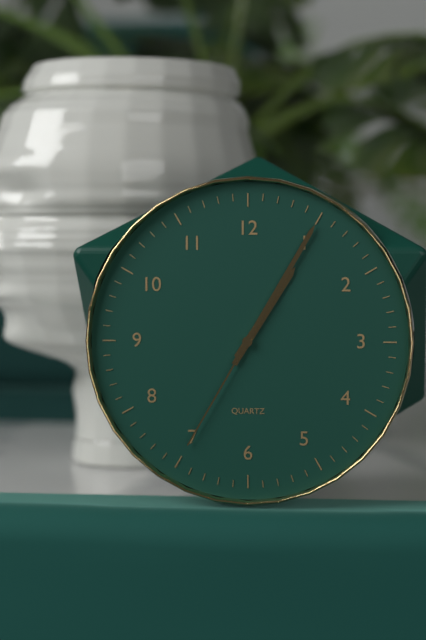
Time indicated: 1,05,35
